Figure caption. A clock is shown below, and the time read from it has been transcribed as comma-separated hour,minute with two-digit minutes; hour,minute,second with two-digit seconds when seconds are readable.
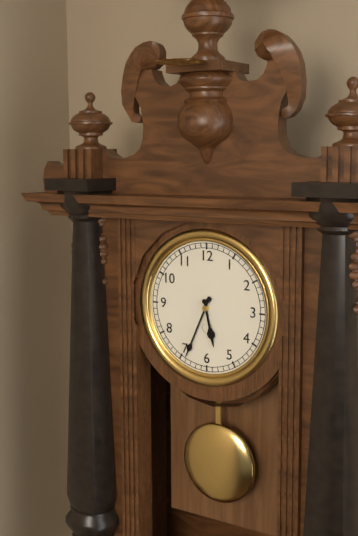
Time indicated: 5,34
